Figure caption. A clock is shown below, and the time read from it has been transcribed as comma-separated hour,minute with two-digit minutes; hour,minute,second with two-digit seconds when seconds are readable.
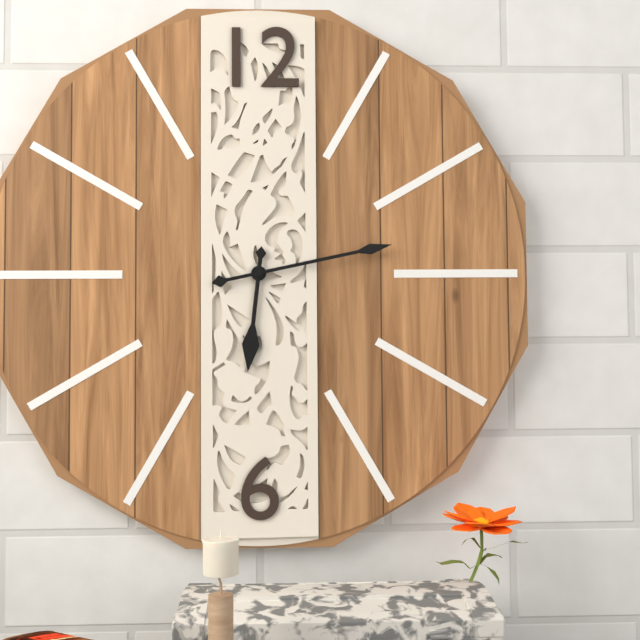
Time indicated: 6,13
